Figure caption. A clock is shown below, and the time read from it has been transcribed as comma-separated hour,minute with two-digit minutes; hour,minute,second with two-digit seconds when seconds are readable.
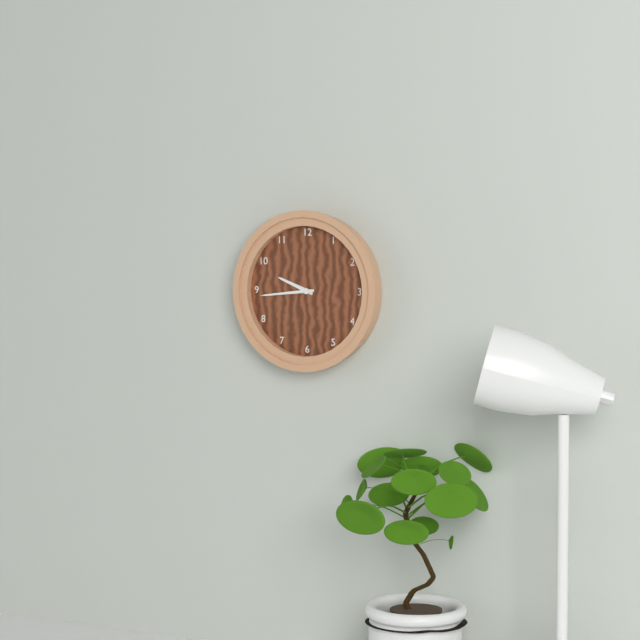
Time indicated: 9,44
